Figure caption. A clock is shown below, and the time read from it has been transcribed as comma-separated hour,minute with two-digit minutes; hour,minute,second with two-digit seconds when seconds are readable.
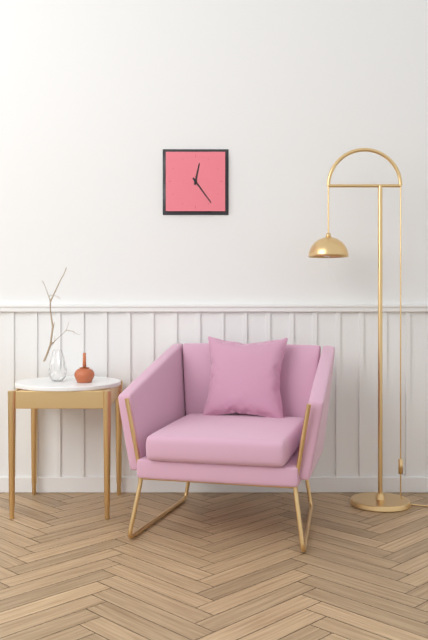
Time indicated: 12,24
